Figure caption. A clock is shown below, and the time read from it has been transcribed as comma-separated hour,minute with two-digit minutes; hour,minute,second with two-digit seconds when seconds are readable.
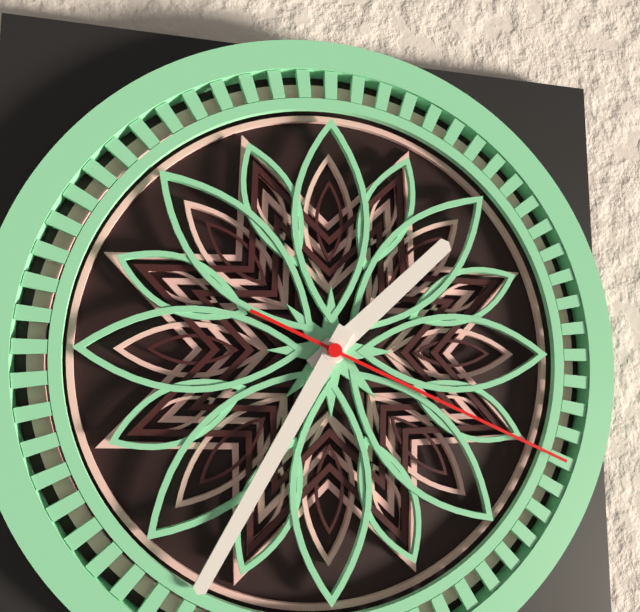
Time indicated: 1,35,19
